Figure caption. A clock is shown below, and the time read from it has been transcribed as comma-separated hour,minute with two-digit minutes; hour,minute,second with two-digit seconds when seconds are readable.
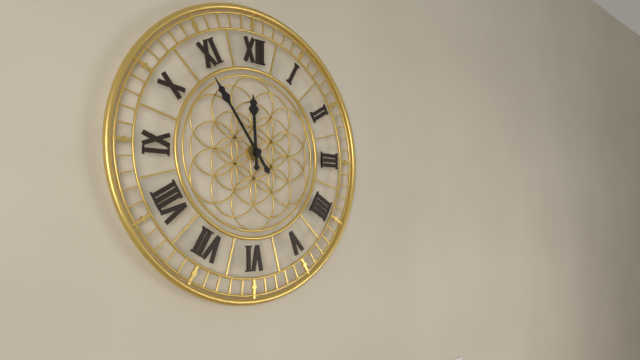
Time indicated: 11,54
